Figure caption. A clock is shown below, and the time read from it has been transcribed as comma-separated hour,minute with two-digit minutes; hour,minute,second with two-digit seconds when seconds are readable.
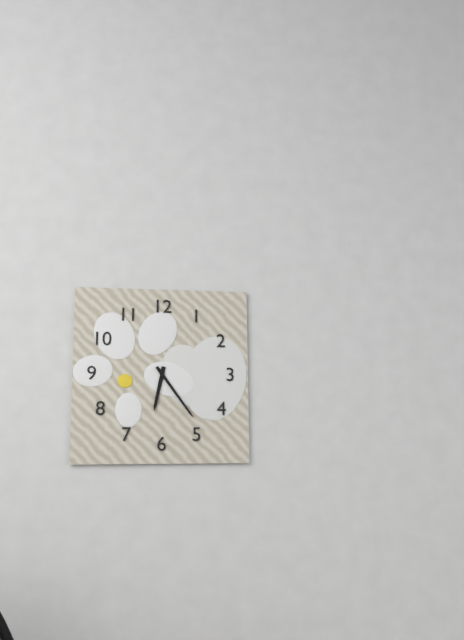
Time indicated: 6,24
